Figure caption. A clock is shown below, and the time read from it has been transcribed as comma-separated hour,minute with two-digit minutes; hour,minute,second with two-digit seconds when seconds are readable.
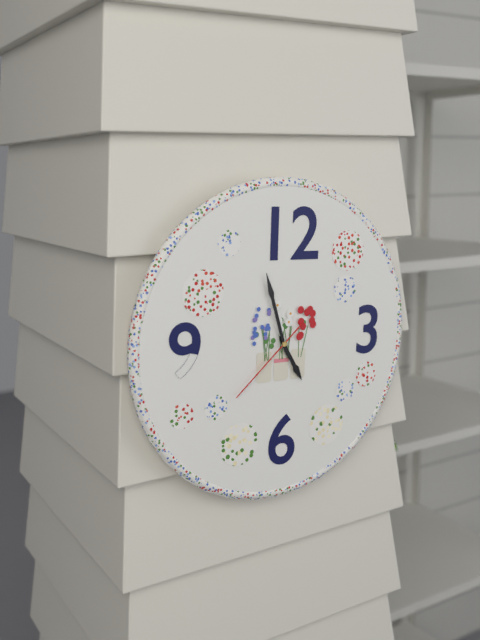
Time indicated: 4,57,38
